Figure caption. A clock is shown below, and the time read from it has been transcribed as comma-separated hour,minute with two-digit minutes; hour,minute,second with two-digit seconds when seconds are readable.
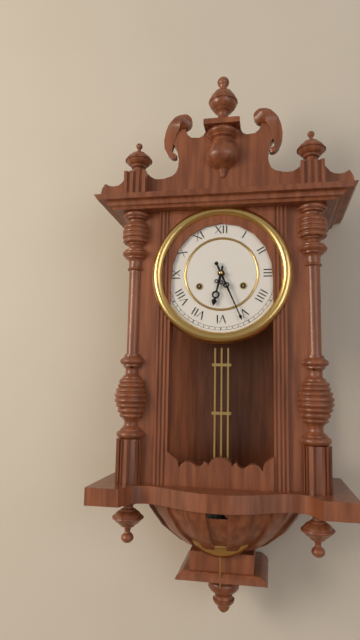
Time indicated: 6,26
